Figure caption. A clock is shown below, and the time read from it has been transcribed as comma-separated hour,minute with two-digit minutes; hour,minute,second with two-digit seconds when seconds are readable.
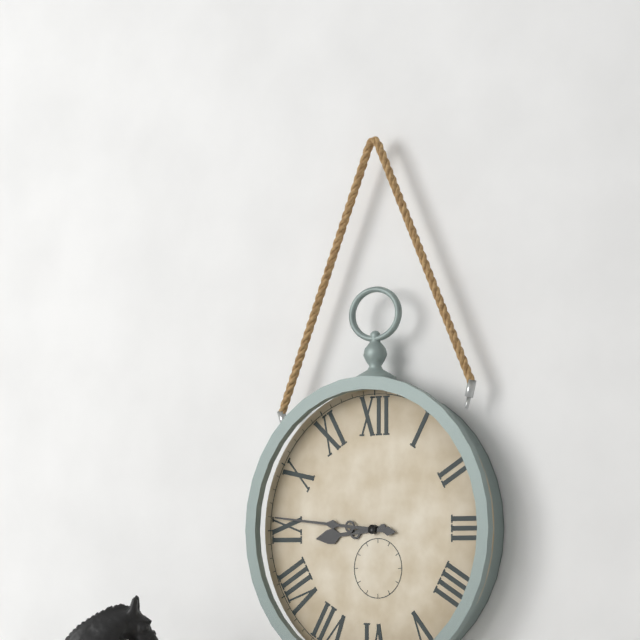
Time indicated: 8,46
